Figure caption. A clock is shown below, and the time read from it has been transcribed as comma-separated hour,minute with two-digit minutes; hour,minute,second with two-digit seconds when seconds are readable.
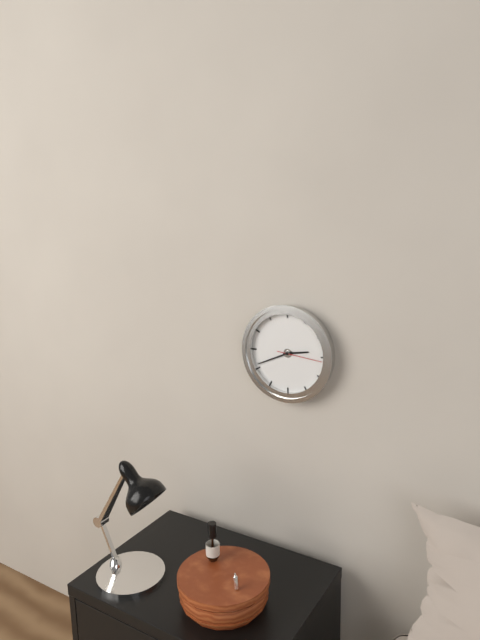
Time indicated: 2,41
